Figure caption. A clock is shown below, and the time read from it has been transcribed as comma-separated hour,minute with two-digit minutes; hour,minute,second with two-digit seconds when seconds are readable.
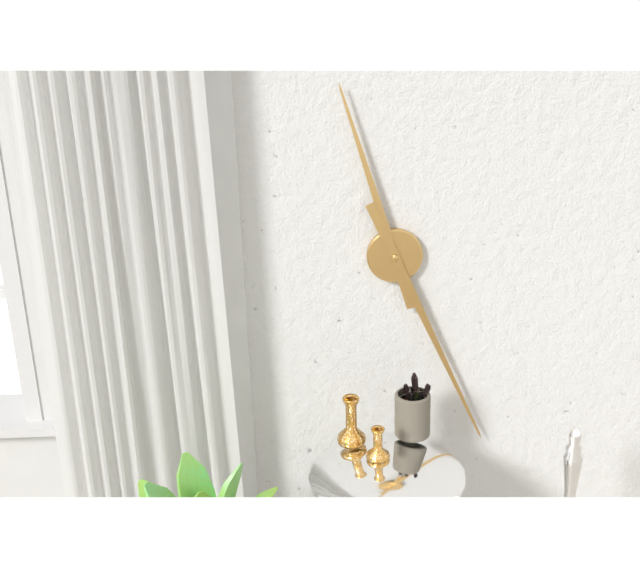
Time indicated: 11,26
